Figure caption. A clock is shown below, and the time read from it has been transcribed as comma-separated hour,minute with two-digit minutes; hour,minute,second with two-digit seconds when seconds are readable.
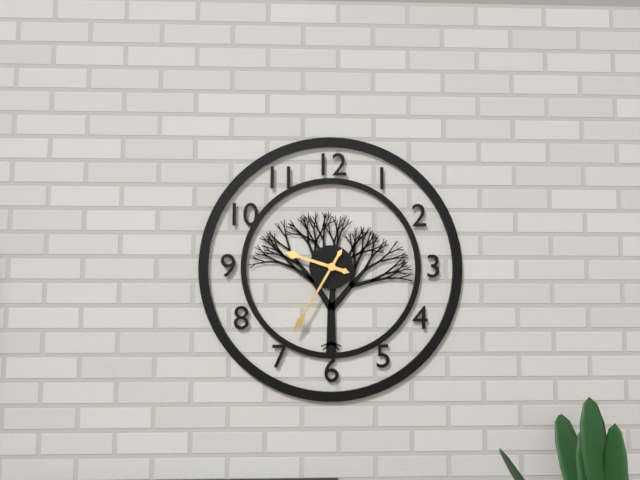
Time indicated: 9,35
